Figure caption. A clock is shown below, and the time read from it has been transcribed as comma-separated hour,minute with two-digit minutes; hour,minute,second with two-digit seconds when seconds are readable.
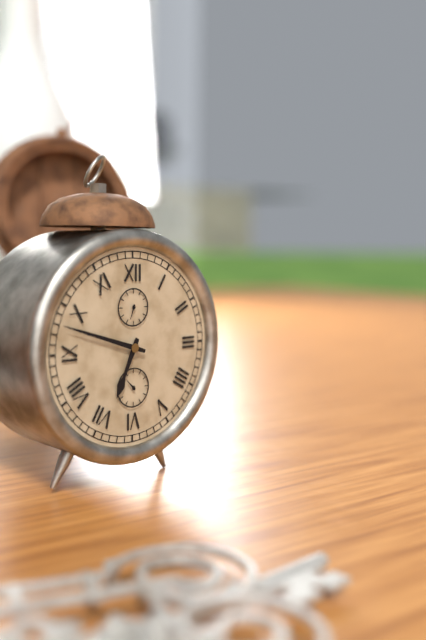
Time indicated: 6,48
